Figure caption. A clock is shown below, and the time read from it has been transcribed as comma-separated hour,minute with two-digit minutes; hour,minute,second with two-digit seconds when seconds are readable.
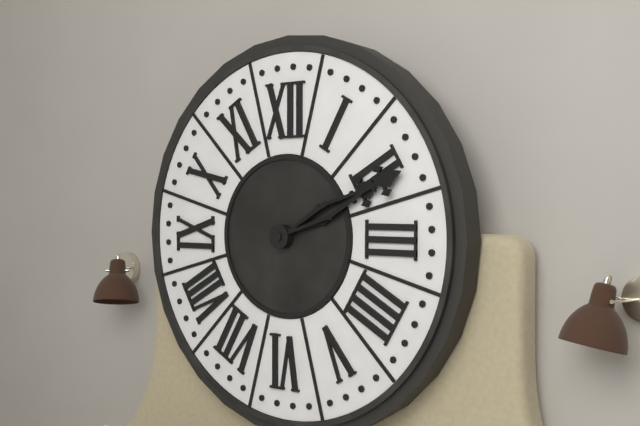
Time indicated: 2,11
